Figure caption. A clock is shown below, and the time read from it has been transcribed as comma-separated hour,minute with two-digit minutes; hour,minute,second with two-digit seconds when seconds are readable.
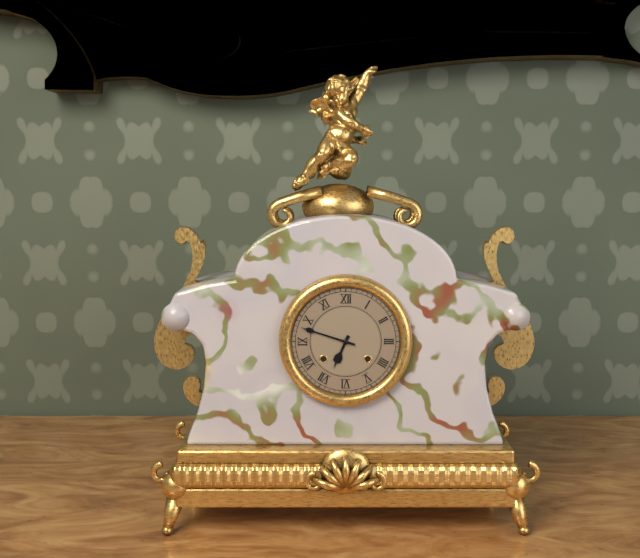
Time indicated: 6,48
